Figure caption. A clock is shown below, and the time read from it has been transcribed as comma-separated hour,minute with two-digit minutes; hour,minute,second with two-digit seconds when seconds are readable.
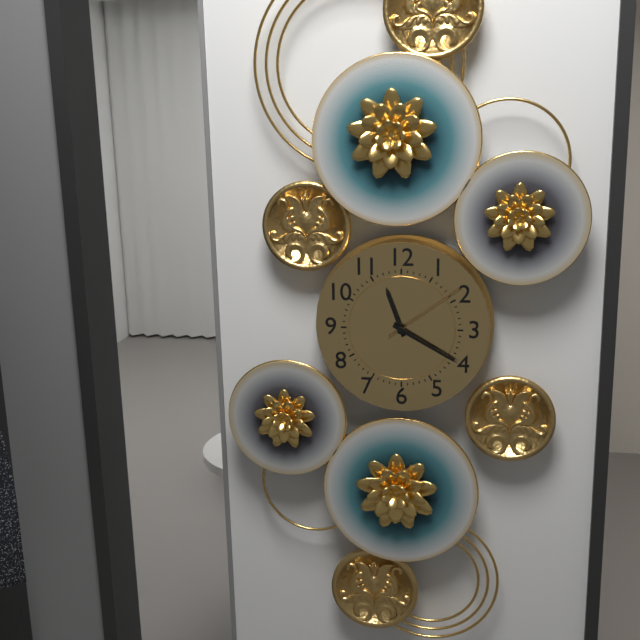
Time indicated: 11,20,09
